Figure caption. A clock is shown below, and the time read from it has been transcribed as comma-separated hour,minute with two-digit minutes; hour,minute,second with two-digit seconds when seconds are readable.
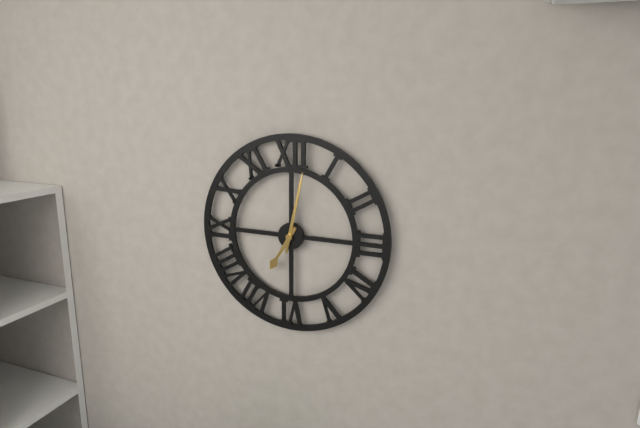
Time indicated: 7,02
